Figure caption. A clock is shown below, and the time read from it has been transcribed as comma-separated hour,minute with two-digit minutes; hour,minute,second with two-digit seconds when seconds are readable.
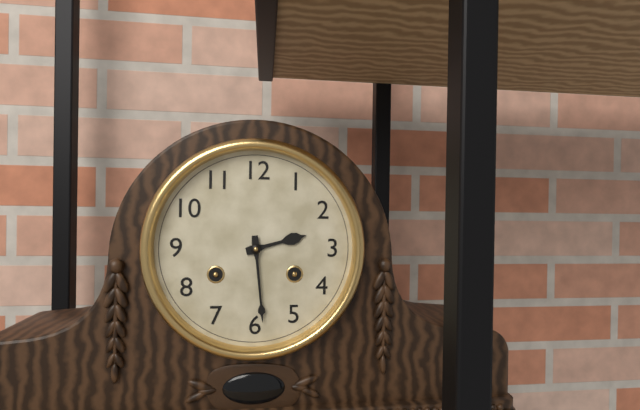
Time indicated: 2,29
